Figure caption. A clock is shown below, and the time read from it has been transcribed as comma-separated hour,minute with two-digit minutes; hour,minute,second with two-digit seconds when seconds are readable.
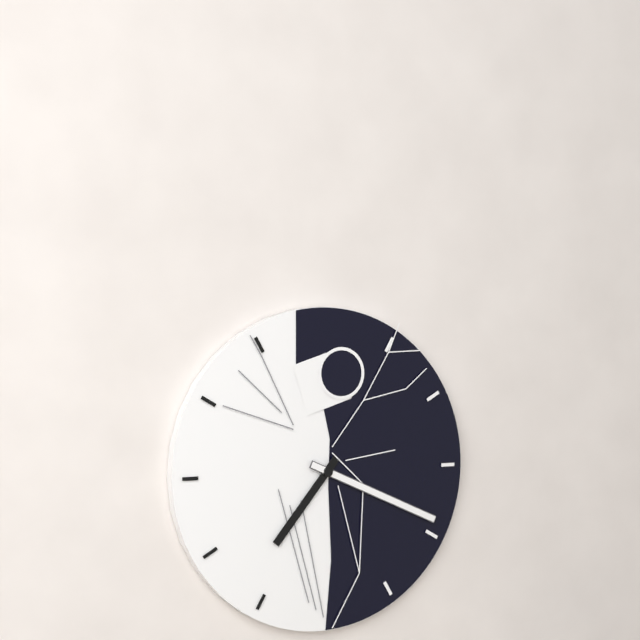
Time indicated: 7,19
